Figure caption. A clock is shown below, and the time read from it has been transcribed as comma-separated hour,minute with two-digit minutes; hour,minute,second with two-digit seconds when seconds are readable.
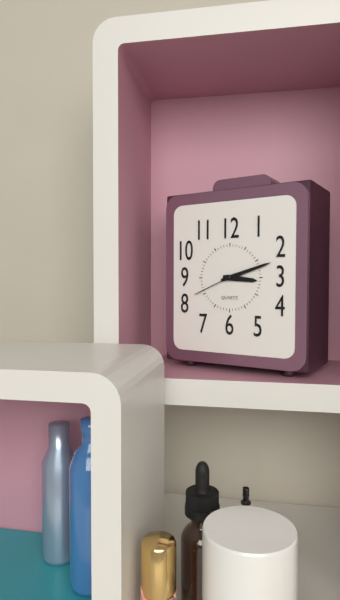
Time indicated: 3,12
